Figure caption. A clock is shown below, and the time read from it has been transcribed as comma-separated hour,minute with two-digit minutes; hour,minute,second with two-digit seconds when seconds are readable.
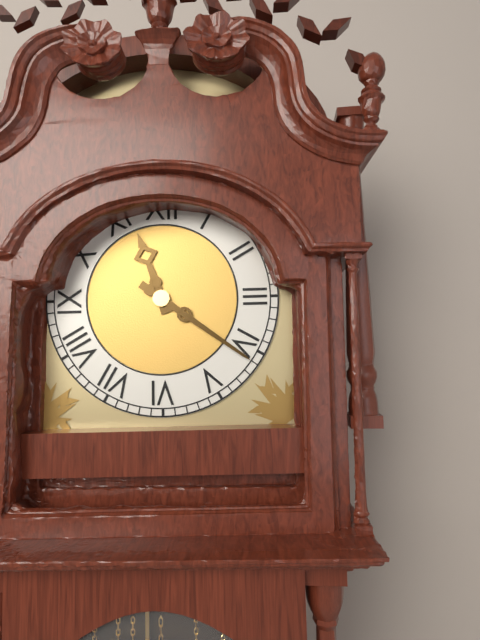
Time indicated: 11,21
